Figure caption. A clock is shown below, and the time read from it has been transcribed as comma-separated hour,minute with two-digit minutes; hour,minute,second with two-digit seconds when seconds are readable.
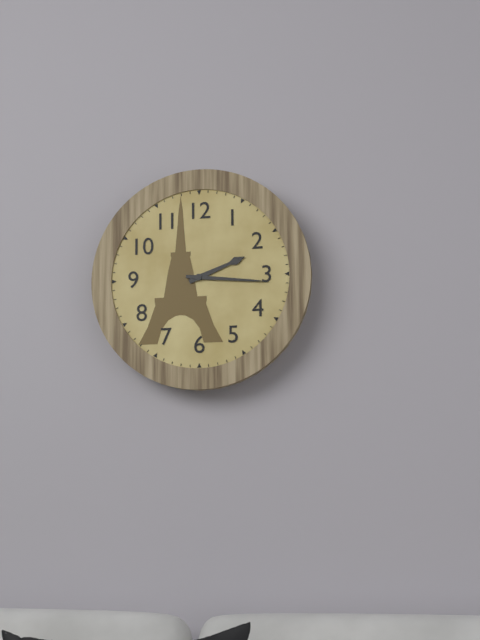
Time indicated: 2,16
